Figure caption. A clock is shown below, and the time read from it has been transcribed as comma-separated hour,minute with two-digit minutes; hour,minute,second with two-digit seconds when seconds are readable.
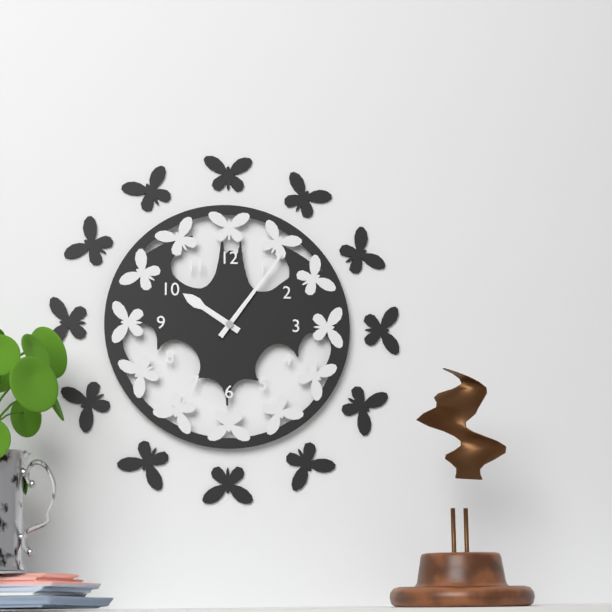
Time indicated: 10,06
